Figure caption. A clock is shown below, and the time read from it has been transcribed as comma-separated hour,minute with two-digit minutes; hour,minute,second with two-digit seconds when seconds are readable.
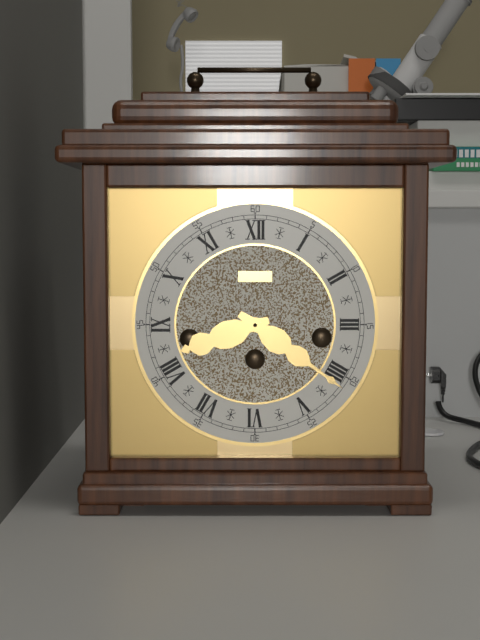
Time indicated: 8,21
